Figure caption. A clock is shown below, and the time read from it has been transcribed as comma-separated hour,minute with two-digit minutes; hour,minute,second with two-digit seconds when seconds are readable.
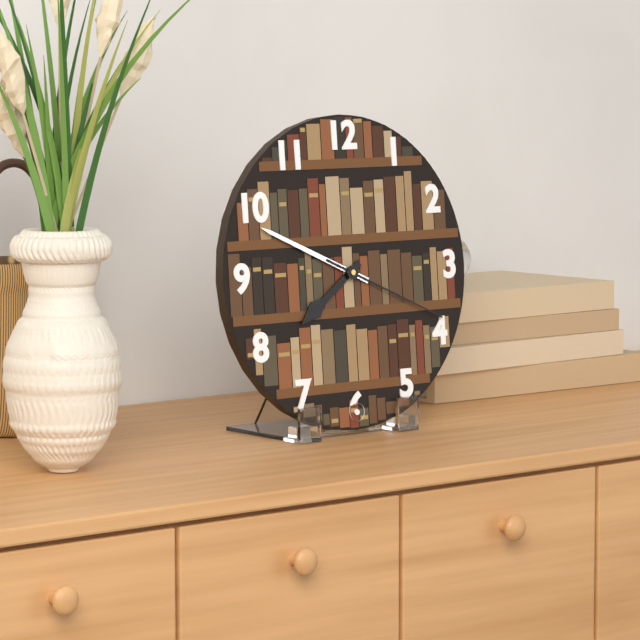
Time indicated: 7,49,19
